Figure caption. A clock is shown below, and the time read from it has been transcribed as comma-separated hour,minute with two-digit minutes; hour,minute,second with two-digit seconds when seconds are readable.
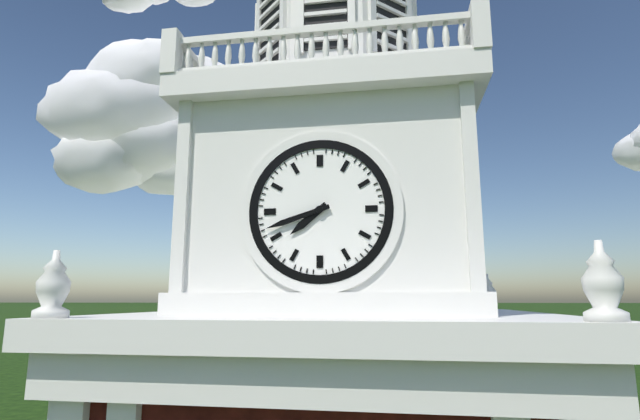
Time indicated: 7,42
